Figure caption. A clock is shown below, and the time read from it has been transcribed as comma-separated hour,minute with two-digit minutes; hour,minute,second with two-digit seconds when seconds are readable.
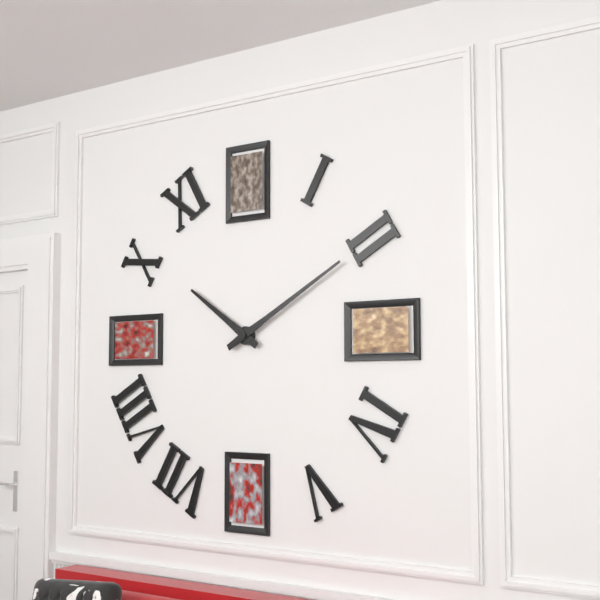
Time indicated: 10,10
